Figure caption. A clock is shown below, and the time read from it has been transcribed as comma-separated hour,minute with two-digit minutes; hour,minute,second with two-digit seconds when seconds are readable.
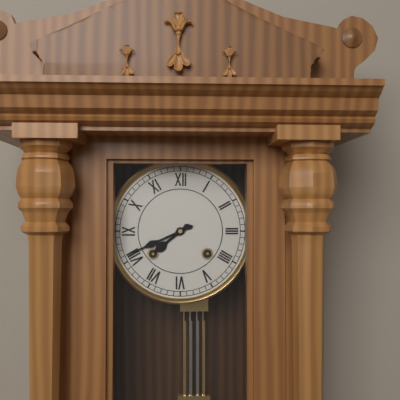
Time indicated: 7,41
